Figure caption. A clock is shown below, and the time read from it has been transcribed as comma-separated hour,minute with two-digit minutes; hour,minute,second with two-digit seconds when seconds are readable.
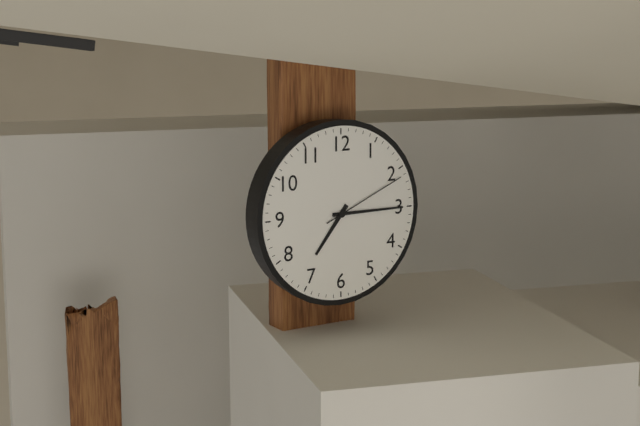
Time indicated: 7,15,11
